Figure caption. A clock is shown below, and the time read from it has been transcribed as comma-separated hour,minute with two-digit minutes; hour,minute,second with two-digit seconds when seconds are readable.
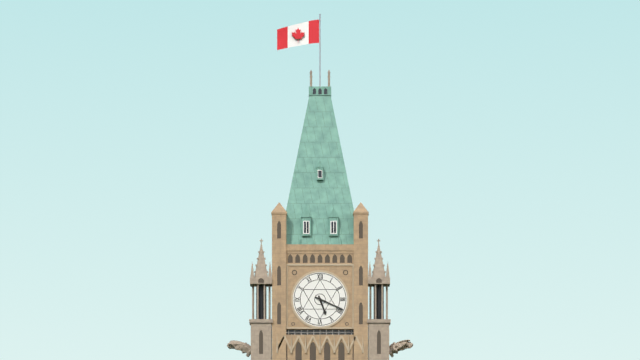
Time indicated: 5,19
